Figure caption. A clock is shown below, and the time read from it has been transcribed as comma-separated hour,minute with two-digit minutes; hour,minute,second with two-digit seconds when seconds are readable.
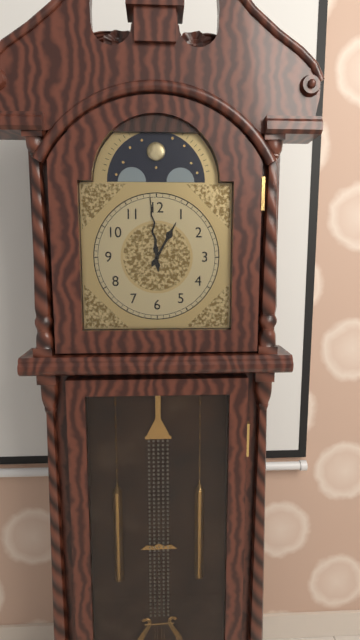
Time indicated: 12,59
